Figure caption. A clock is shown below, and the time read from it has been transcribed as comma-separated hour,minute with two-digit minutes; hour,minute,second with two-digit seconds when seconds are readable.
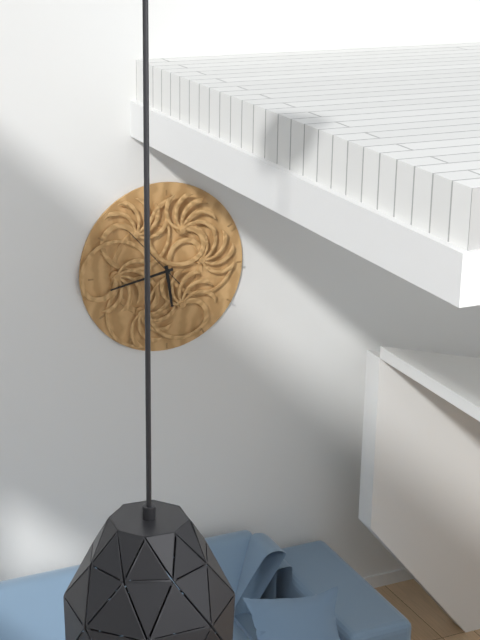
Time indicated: 5,43,53
